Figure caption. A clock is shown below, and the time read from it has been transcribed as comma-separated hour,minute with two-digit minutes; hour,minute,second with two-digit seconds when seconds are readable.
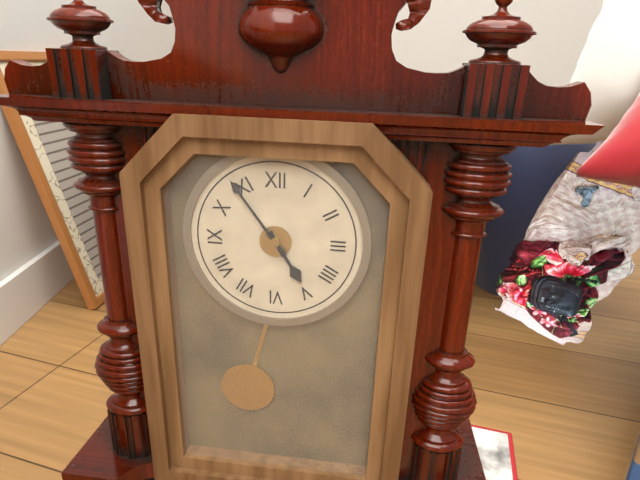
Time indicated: 4,54
